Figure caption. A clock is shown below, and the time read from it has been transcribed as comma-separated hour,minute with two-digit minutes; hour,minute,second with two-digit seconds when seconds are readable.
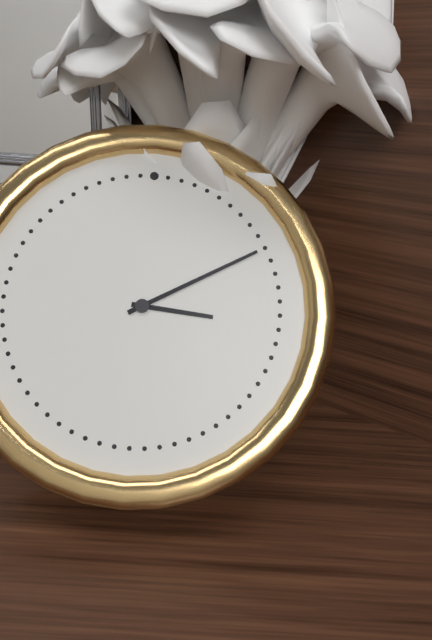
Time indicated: 3,10
